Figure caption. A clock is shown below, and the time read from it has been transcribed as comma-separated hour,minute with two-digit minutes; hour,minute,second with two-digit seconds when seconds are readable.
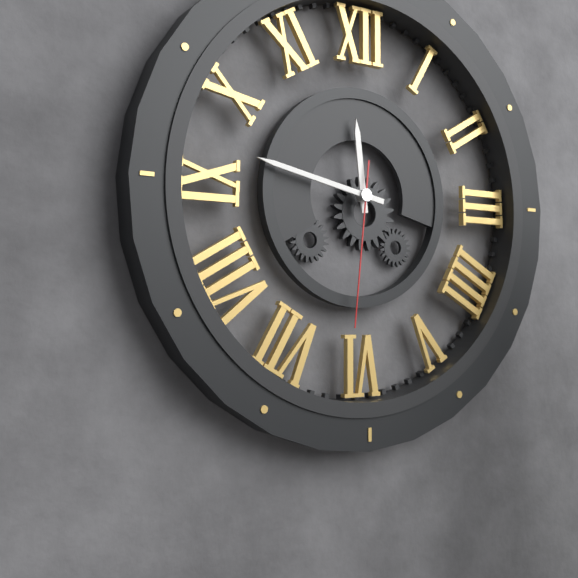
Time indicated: 11,47,31
